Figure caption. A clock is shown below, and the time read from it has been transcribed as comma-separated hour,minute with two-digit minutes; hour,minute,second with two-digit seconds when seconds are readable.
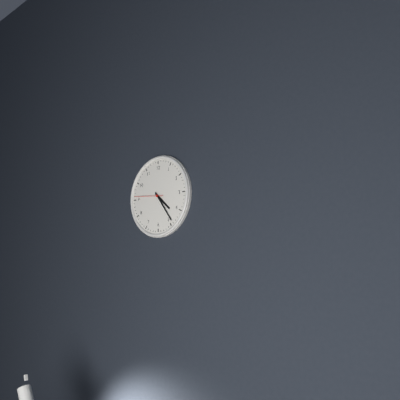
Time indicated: 4,24
